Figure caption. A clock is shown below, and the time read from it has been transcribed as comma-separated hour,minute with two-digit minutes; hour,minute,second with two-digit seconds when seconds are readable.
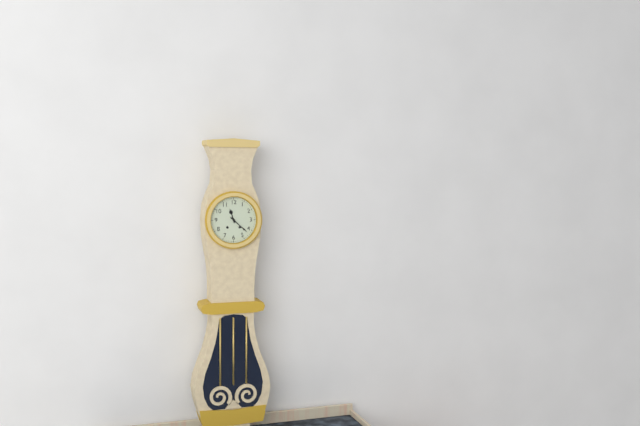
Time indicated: 11,22
